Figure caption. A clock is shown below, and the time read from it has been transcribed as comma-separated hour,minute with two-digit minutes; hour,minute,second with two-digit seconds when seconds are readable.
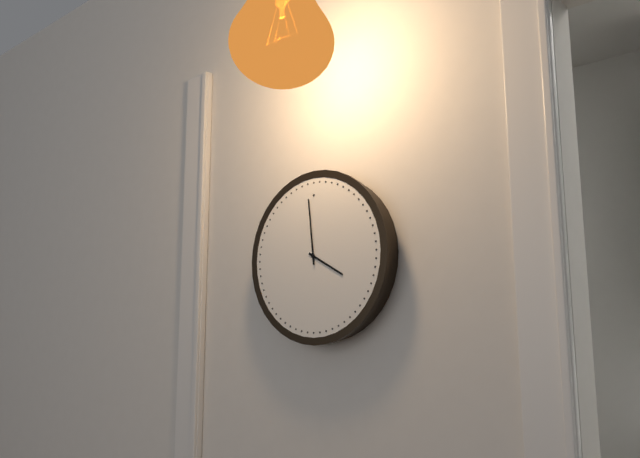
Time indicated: 3,59
